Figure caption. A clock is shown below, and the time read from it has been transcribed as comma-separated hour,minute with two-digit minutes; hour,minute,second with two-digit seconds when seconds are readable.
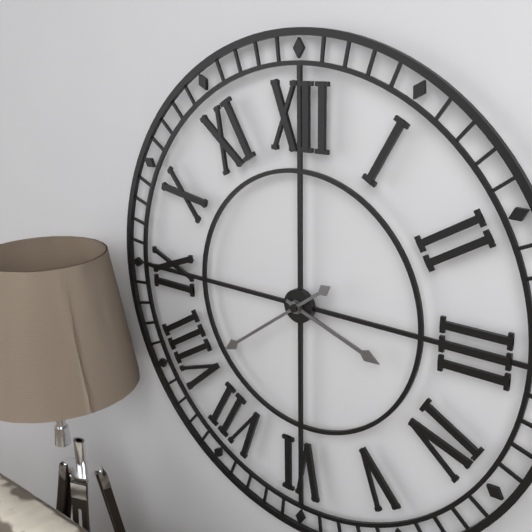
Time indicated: 3,39
